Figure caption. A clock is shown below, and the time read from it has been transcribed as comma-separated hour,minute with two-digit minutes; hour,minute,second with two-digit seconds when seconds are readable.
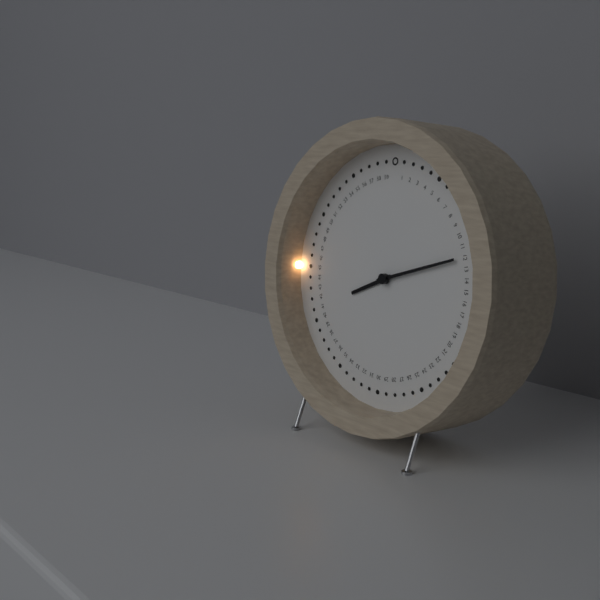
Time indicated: 8,12
